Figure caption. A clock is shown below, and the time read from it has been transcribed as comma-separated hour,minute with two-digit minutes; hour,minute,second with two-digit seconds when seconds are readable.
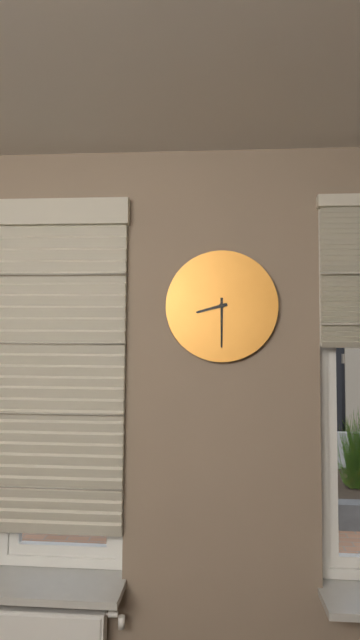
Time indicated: 8,30
